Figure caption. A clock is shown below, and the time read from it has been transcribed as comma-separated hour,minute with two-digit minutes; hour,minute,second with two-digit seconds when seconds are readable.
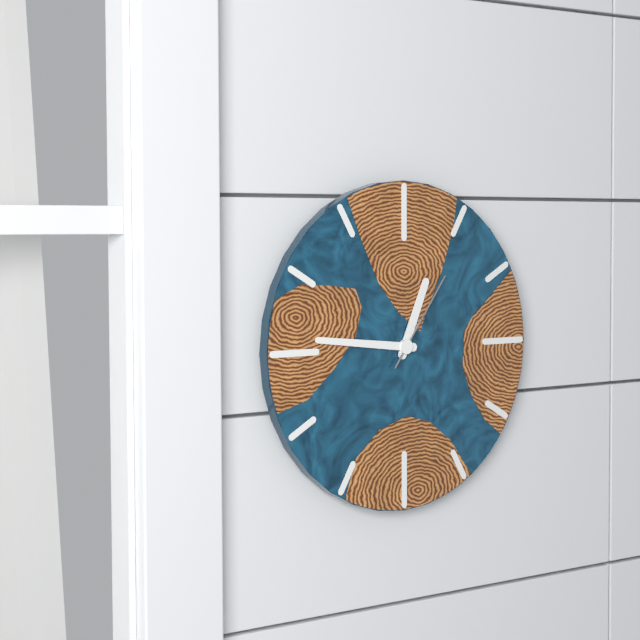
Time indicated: 12,46,06
